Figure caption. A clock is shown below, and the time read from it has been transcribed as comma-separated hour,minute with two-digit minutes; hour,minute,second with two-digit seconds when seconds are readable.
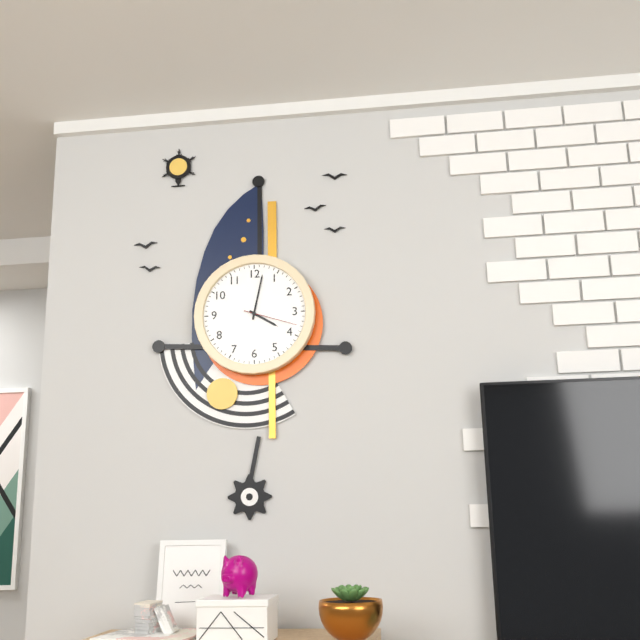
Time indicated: 4,02,18
